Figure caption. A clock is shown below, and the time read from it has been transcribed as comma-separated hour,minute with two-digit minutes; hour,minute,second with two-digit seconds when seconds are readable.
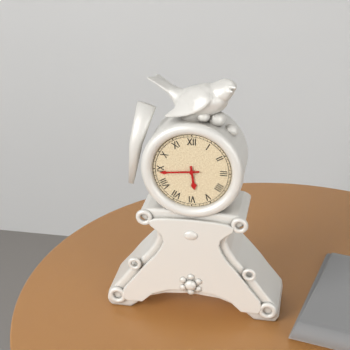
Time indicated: 5,44
